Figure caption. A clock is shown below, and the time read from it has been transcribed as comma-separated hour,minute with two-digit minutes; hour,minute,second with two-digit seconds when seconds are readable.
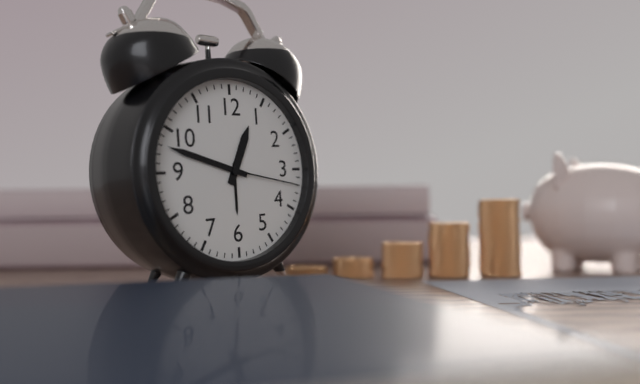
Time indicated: 12,48,17
